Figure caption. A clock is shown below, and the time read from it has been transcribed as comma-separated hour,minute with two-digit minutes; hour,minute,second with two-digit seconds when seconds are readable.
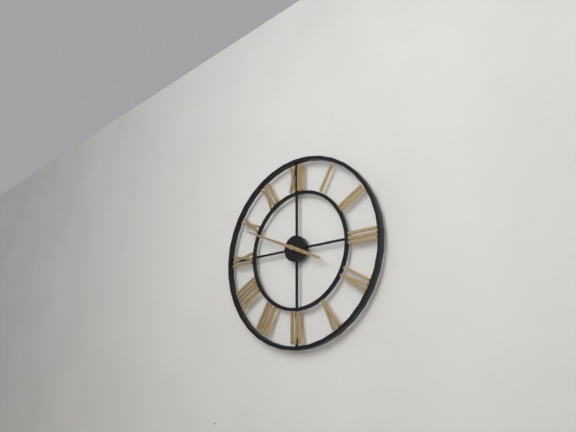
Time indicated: 3,49
